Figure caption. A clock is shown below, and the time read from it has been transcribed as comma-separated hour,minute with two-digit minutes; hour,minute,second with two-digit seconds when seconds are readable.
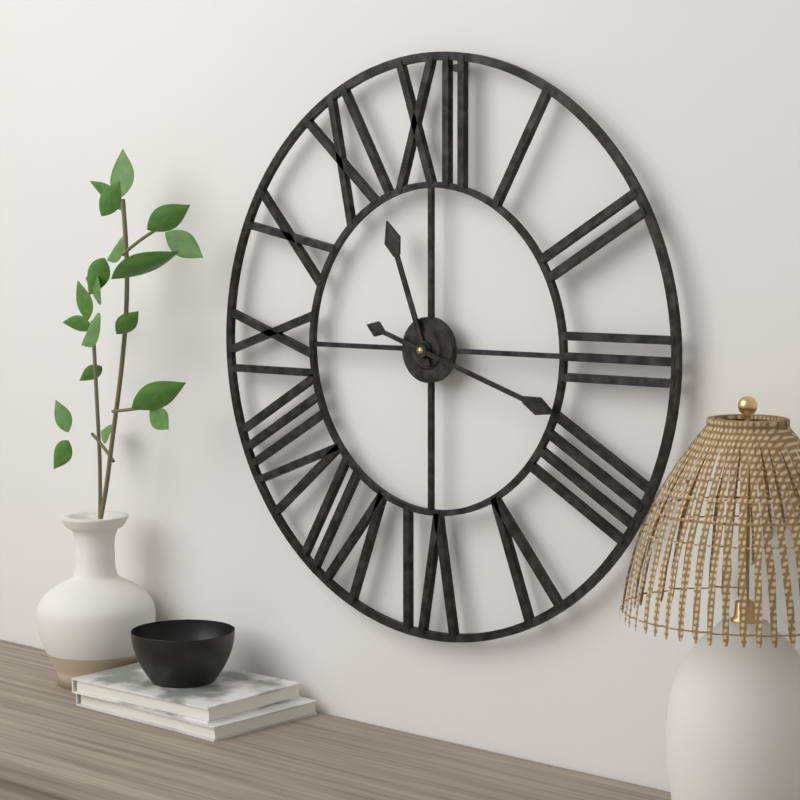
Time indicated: 11,18
